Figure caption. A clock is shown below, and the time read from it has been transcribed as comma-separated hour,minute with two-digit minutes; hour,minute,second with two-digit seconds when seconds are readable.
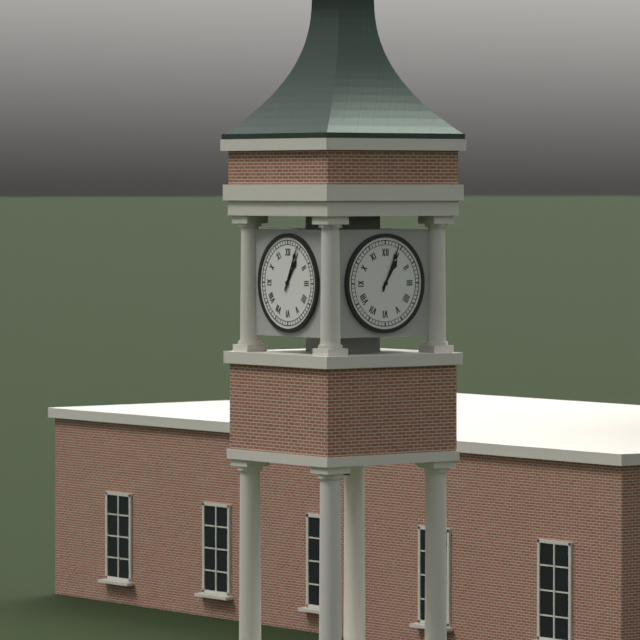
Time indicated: 1,04
